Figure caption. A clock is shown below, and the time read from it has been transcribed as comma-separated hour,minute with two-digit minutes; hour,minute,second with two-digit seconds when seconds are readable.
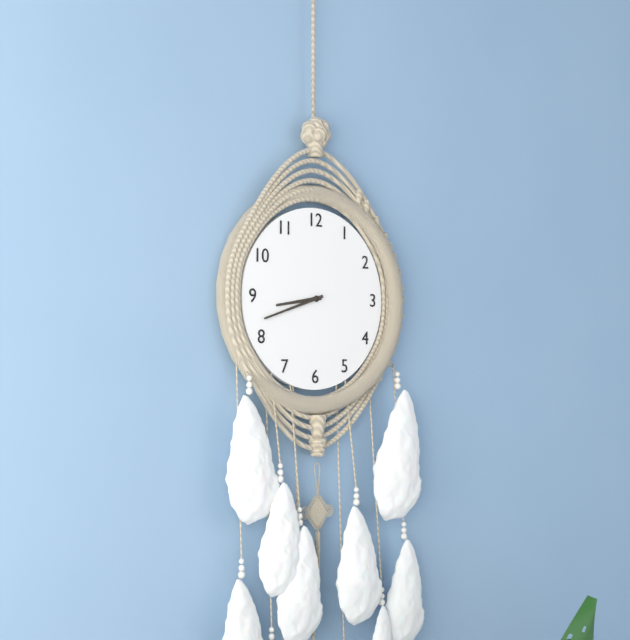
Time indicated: 8,42
